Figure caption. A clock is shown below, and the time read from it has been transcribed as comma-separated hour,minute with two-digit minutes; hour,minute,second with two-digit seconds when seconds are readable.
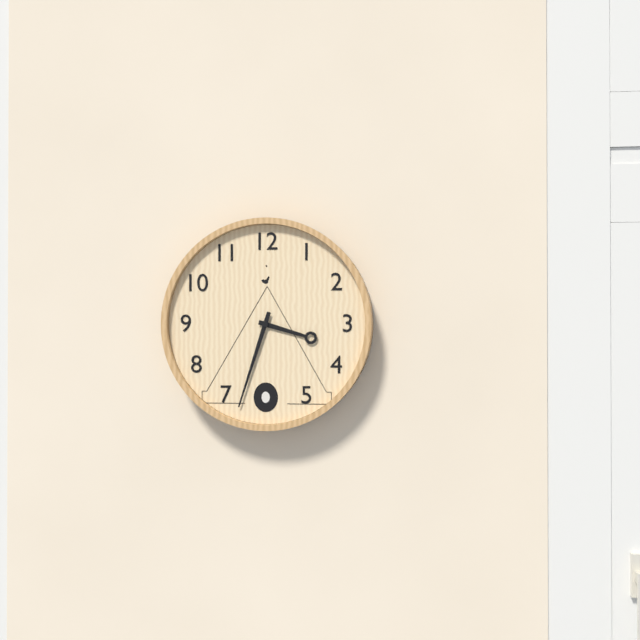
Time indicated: 3,33
